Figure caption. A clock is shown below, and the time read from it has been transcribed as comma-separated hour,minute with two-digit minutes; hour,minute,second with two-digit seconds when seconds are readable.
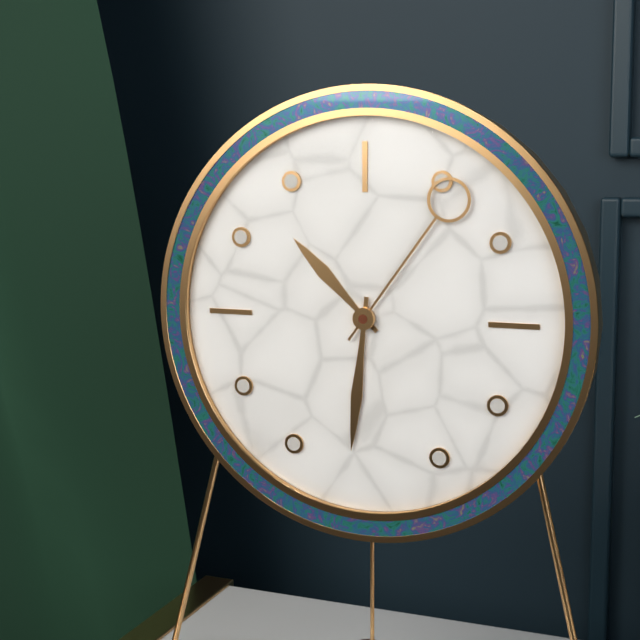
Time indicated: 10,31,06
